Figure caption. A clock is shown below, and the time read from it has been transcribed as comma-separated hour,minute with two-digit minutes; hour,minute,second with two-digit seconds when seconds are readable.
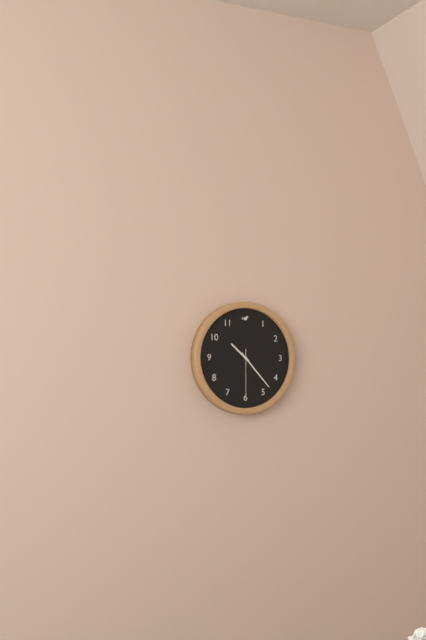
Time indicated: 10,23
